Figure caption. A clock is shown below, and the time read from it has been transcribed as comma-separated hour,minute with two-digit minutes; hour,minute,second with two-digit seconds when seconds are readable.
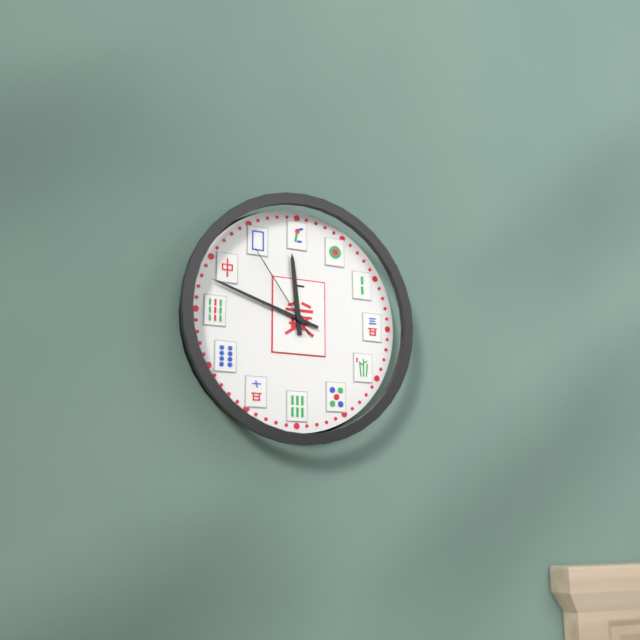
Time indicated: 11,48,54
